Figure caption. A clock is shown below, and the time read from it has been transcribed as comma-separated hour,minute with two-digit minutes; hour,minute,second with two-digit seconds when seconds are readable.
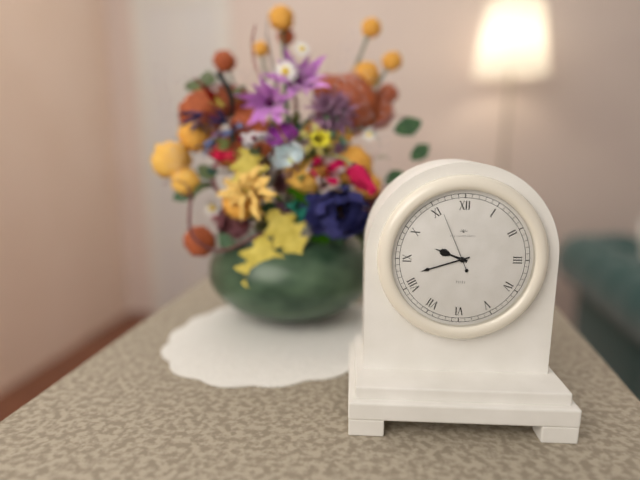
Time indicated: 9,42,56
